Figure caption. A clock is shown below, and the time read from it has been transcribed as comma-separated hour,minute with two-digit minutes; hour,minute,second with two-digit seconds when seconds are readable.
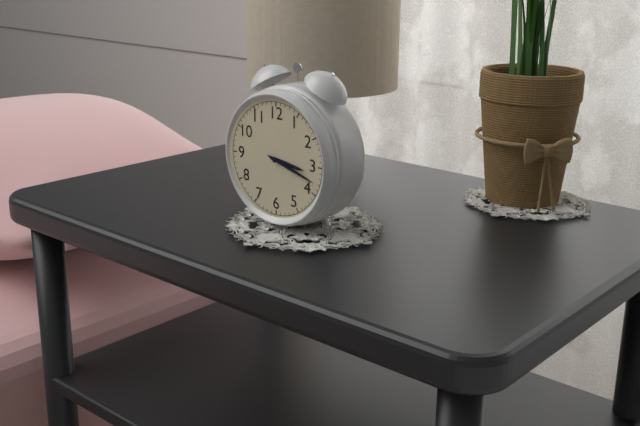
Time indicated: 3,18
